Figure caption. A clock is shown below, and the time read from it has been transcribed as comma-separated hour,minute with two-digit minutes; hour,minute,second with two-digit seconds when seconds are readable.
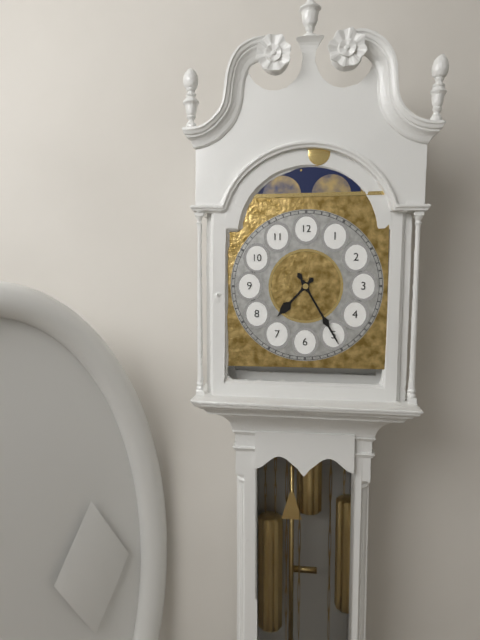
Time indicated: 7,25
